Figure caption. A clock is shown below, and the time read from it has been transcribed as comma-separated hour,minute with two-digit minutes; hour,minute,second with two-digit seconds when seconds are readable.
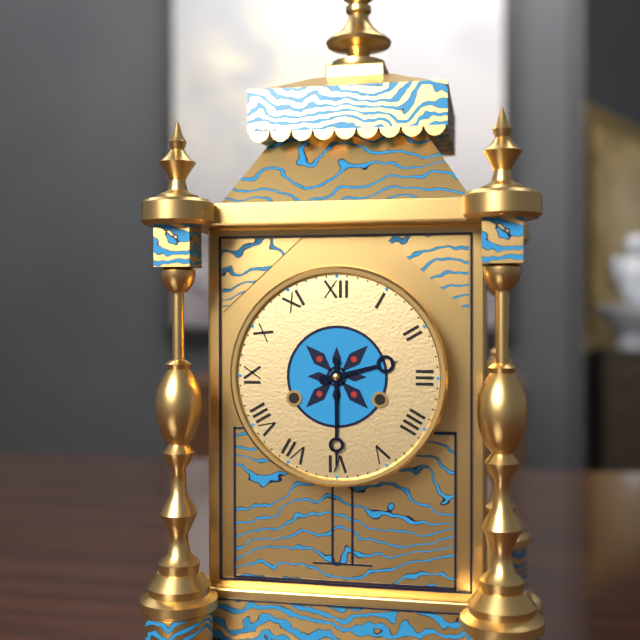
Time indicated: 2,30
